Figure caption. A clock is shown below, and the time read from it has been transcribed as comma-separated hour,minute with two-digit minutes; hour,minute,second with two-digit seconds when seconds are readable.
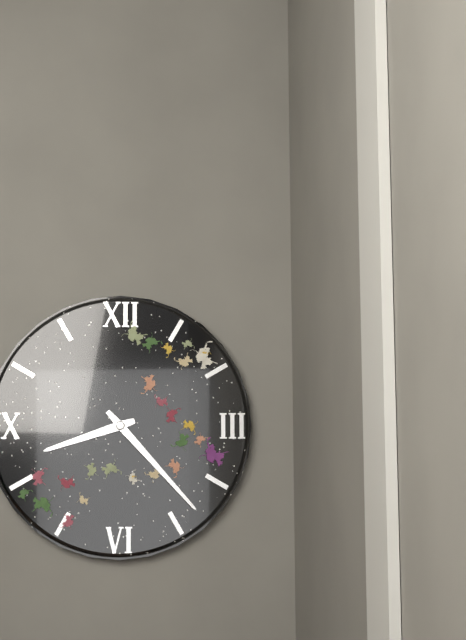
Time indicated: 8,23
